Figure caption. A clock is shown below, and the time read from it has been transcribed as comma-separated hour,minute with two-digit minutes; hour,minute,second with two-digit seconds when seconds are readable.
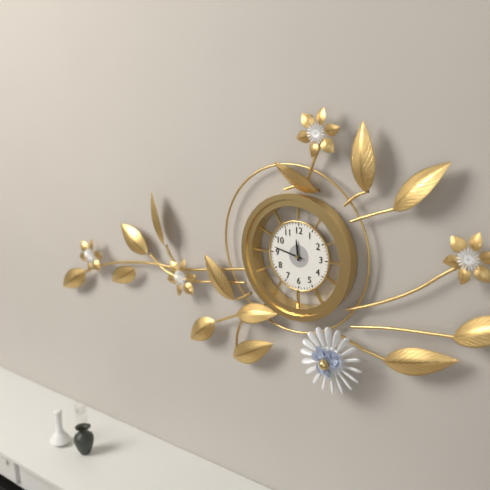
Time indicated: 11,47
